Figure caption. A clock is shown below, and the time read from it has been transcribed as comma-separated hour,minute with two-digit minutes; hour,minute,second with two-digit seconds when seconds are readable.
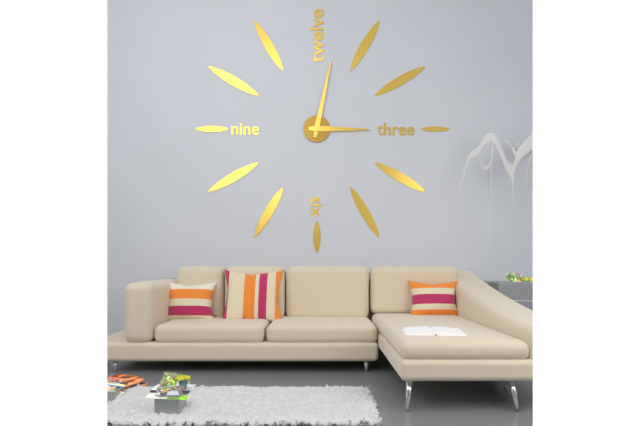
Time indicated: 3,02
